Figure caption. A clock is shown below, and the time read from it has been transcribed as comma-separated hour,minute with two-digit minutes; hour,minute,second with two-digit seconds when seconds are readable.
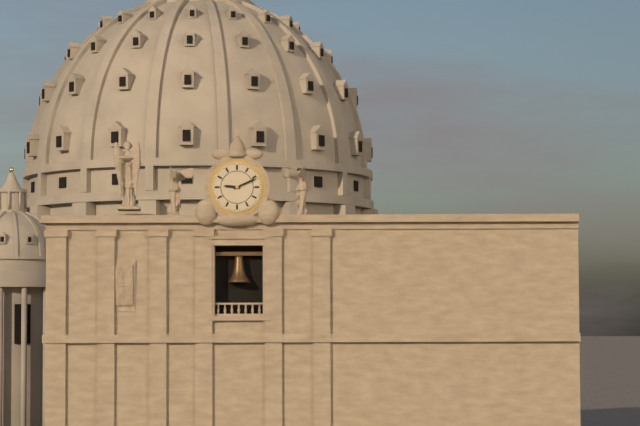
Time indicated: 9,11
